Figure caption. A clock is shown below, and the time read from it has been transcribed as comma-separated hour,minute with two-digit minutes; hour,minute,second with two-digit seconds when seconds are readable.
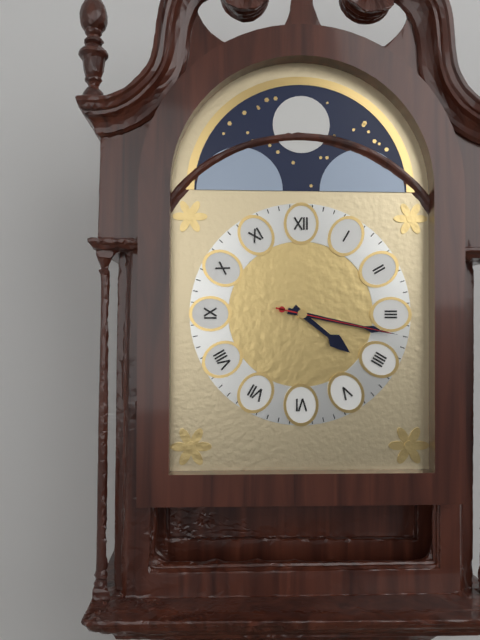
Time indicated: 4,17,17
